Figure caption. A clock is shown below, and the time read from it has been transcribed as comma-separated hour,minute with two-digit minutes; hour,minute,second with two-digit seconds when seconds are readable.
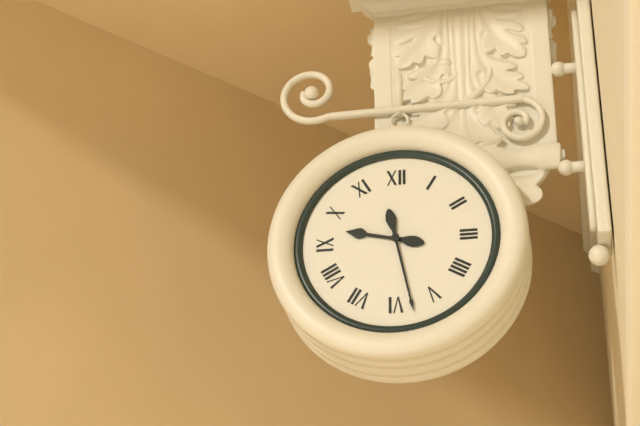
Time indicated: 9,28
